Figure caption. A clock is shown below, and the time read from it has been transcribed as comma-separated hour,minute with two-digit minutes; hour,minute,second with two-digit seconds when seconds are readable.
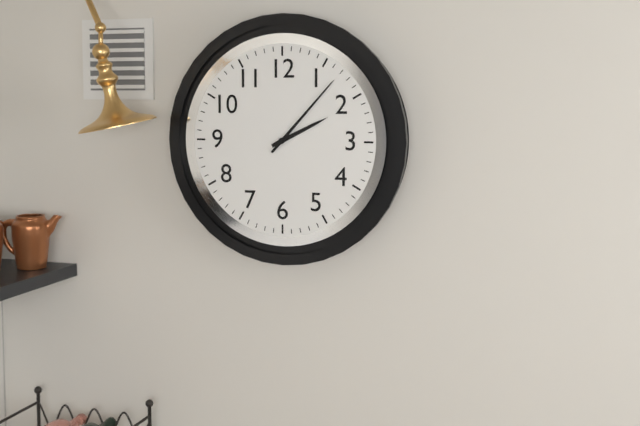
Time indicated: 2,07
